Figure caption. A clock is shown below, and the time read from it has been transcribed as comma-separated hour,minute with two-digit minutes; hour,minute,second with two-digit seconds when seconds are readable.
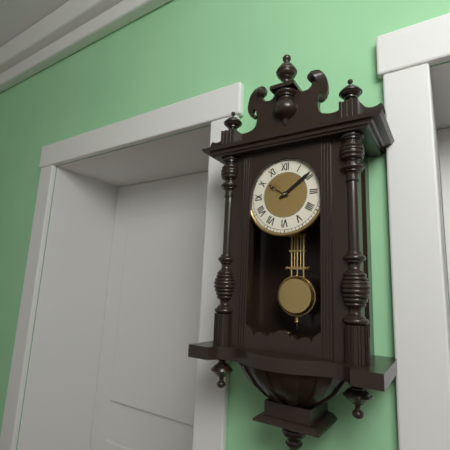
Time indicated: 10,09
